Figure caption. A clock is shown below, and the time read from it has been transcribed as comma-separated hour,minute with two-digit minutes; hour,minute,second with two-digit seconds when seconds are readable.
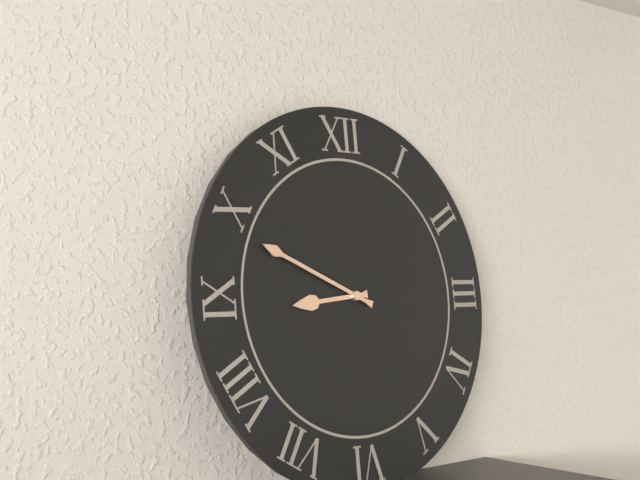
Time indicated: 8,49
